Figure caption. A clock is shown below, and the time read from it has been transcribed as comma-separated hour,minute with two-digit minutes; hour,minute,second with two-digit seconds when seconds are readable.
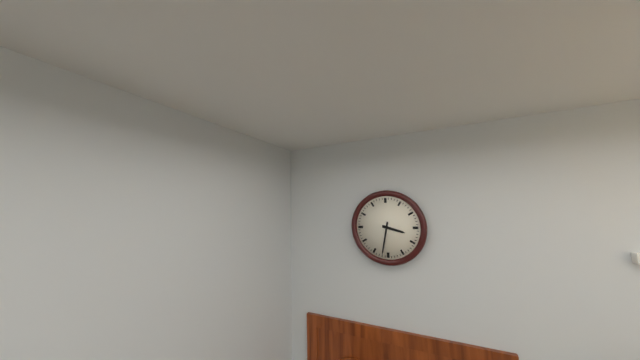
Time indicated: 3,32
